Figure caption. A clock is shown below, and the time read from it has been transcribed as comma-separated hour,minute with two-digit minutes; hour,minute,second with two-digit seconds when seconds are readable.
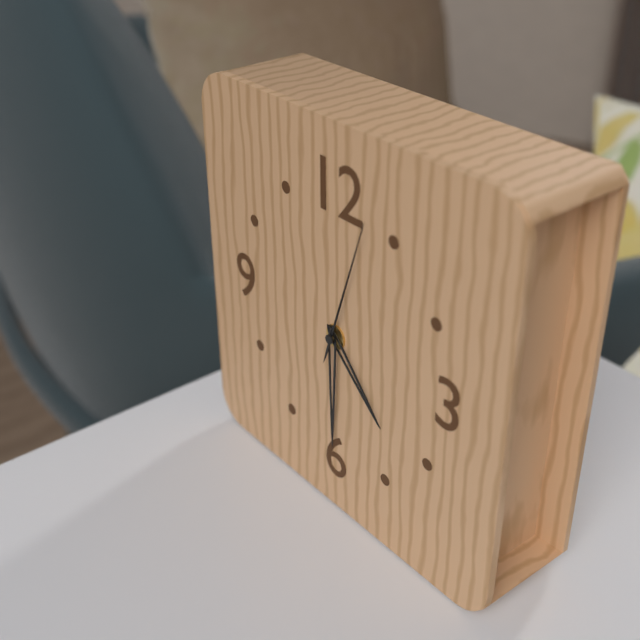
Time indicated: 4,30,03
